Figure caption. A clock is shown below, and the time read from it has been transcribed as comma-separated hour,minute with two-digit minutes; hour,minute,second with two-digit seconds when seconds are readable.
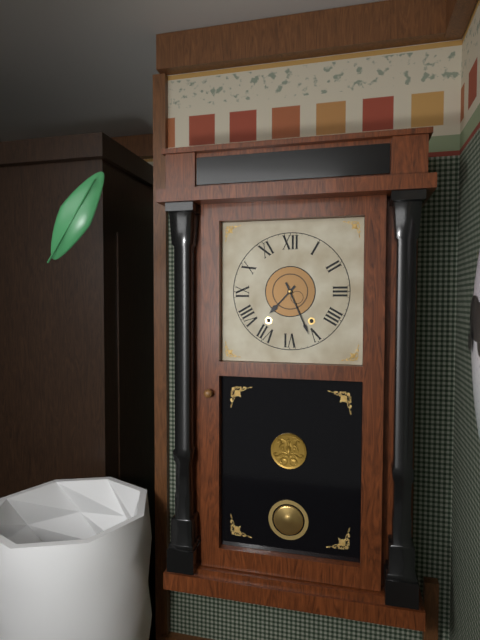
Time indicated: 7,26
